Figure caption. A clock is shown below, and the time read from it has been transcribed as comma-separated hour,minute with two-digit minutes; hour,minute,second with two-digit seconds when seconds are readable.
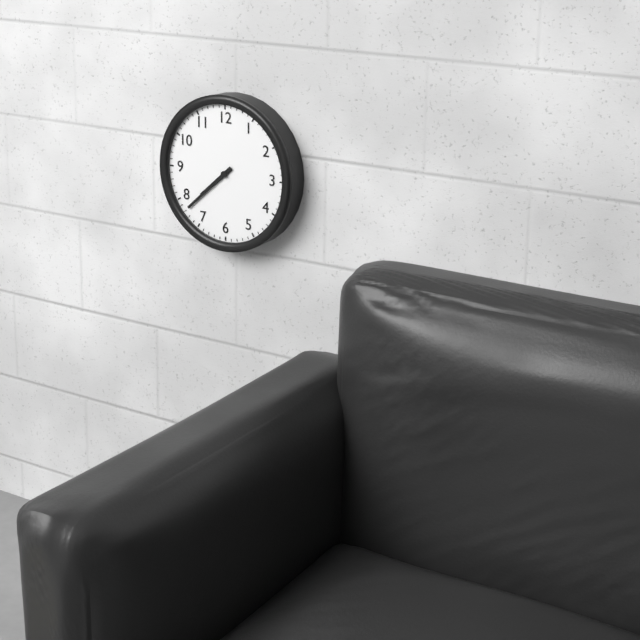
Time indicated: 7,38
